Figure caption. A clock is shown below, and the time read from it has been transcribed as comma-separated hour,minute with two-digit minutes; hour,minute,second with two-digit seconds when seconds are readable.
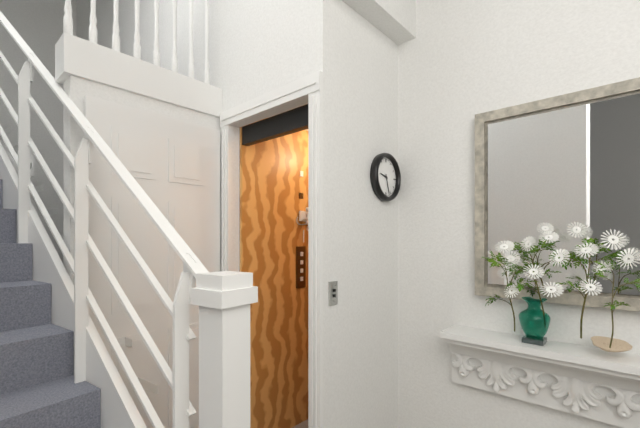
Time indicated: 9,27
